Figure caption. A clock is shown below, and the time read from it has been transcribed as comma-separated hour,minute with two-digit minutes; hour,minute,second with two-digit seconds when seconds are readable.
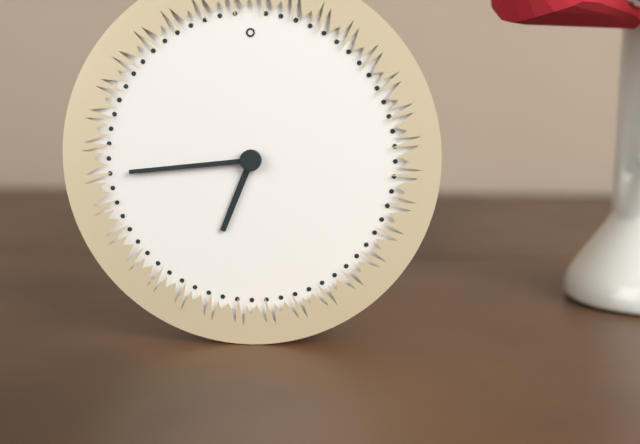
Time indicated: 6,44
